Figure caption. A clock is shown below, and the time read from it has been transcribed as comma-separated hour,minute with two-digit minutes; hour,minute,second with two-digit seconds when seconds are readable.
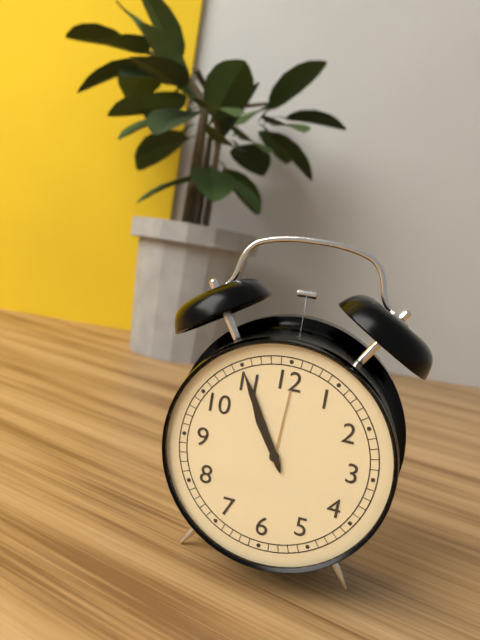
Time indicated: 10,55
